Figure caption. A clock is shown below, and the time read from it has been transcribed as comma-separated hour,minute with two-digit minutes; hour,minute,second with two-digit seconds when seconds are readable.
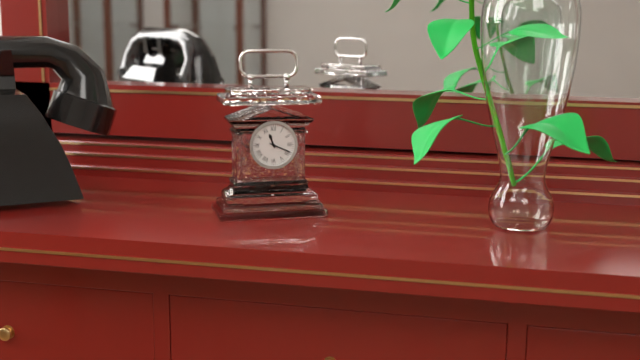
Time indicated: 11,19
